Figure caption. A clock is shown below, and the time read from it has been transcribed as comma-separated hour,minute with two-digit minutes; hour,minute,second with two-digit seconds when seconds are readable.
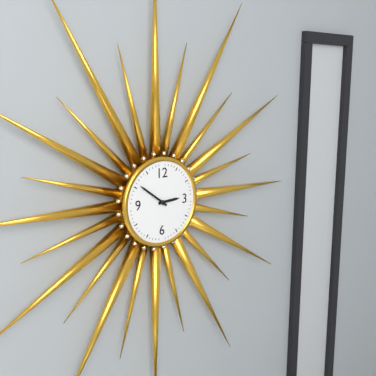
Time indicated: 2,51
